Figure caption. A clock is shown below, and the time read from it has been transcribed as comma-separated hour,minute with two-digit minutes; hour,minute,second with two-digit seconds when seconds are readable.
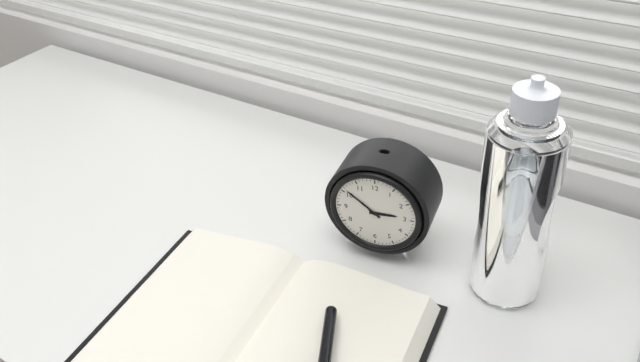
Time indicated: 2,51
